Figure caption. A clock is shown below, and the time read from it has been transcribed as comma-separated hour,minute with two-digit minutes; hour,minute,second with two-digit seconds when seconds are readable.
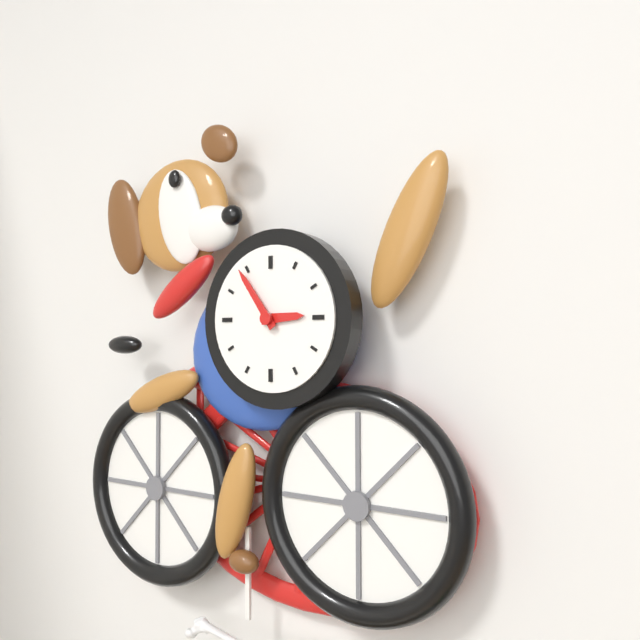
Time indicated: 2,54
